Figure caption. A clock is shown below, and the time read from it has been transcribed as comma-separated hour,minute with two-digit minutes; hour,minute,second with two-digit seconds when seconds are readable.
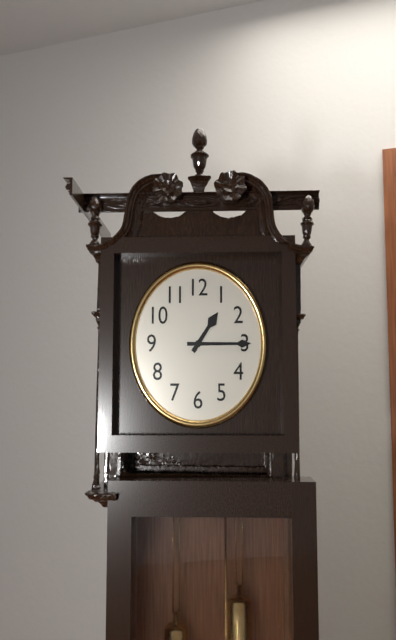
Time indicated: 1,15
